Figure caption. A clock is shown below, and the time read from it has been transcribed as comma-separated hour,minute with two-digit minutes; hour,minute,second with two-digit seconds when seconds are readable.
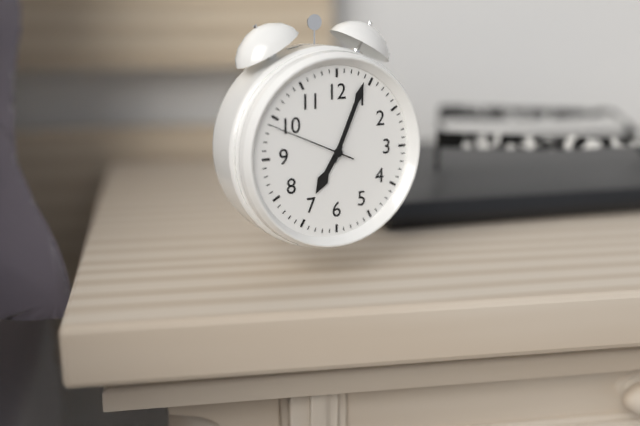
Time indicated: 7,04,49
